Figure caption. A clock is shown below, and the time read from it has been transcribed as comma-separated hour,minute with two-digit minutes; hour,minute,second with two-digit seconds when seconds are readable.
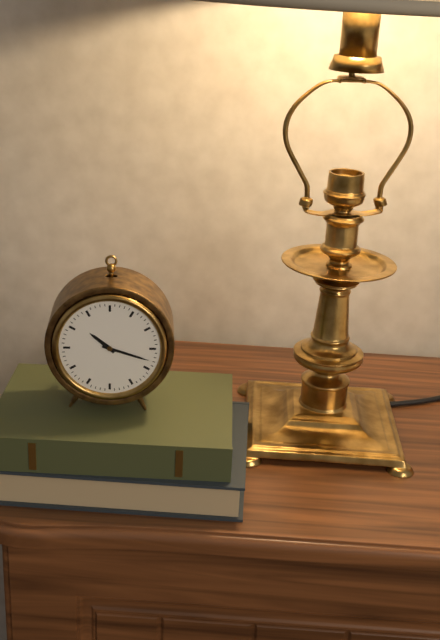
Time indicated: 10,18
